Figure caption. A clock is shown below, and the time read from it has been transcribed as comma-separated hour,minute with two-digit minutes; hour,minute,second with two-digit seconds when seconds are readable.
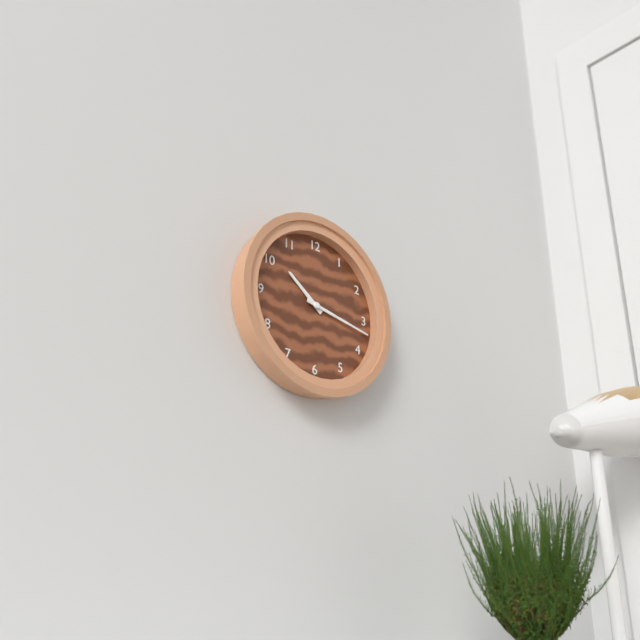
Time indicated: 10,17
